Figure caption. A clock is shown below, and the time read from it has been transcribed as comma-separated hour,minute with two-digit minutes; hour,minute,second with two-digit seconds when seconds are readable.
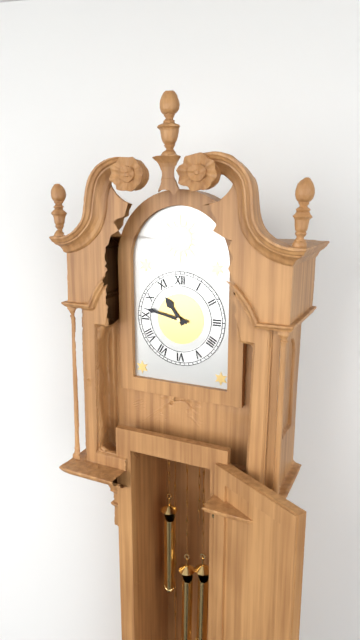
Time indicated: 10,47
